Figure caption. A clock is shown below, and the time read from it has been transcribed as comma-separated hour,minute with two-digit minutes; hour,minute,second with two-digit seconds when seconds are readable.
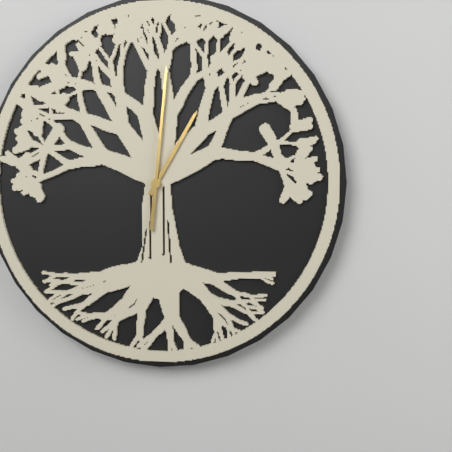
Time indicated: 1,01
